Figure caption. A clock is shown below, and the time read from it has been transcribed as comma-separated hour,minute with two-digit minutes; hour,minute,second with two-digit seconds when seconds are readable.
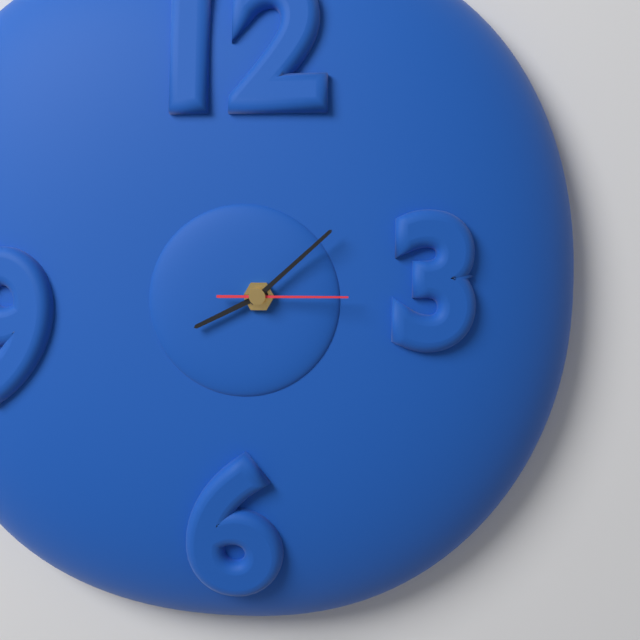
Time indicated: 8,08,15
